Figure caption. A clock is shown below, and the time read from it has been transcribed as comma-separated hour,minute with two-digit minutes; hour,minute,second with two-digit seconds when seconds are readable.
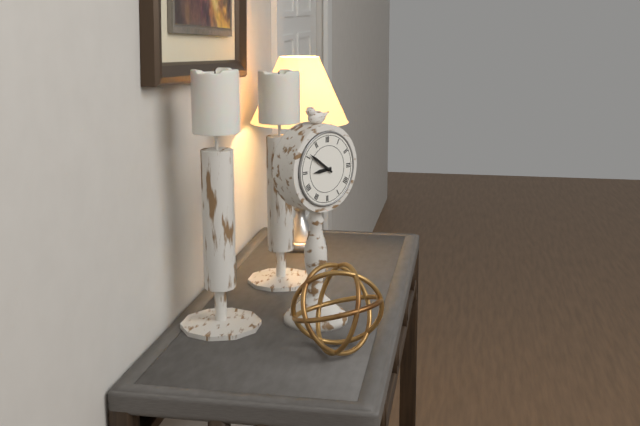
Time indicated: 8,51
